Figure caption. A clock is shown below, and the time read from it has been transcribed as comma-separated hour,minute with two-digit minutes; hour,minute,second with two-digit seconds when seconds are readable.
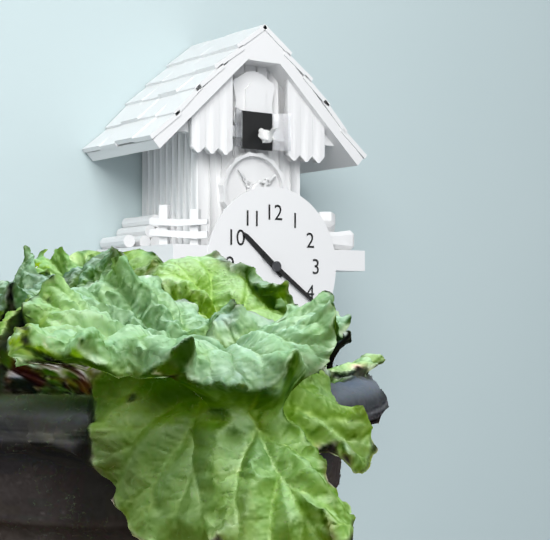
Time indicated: 10,21
